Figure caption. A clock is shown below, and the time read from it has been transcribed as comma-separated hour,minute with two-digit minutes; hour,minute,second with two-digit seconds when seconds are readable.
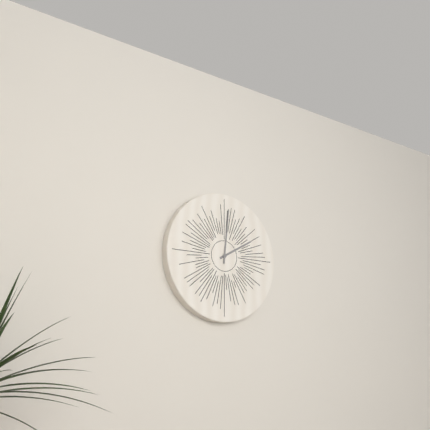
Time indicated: 2,01
